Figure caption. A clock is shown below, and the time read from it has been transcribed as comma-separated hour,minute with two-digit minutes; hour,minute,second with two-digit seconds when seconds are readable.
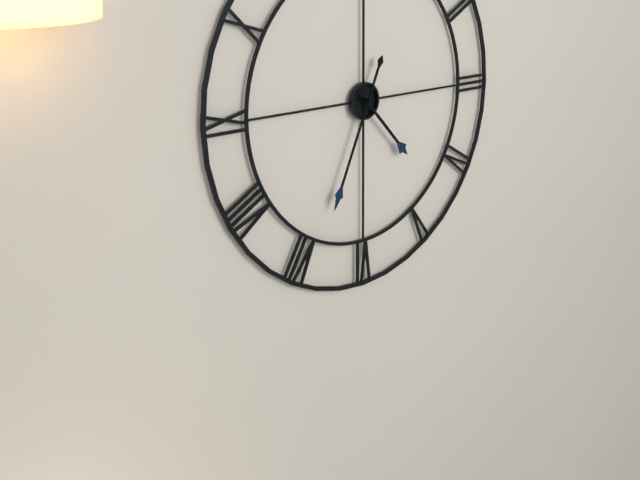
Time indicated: 4,34
